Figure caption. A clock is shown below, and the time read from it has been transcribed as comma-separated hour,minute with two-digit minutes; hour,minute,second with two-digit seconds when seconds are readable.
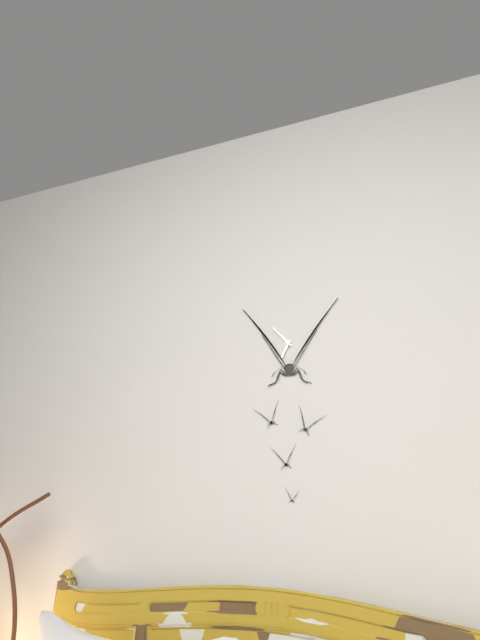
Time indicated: 6,53
